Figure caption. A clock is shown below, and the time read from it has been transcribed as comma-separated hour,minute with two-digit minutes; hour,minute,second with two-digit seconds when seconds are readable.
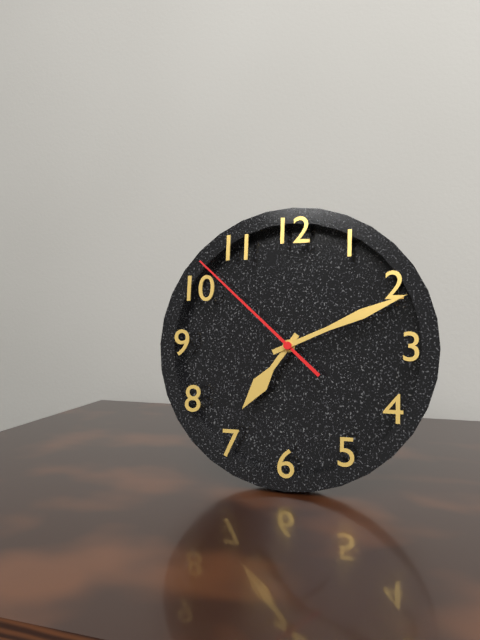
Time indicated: 7,11,52
